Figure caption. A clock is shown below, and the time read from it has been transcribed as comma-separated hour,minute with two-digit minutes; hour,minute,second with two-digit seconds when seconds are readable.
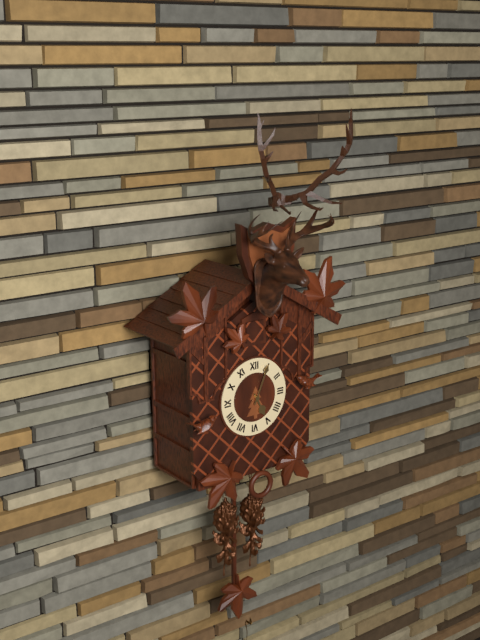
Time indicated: 5,04
